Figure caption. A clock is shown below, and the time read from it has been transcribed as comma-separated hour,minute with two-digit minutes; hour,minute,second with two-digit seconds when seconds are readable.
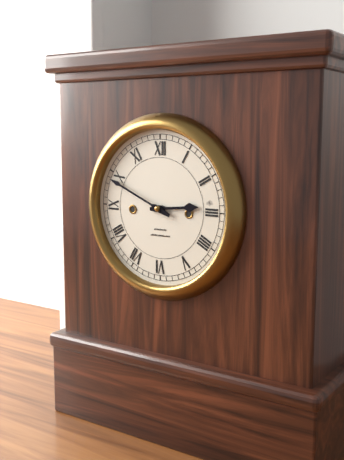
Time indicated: 2,49
